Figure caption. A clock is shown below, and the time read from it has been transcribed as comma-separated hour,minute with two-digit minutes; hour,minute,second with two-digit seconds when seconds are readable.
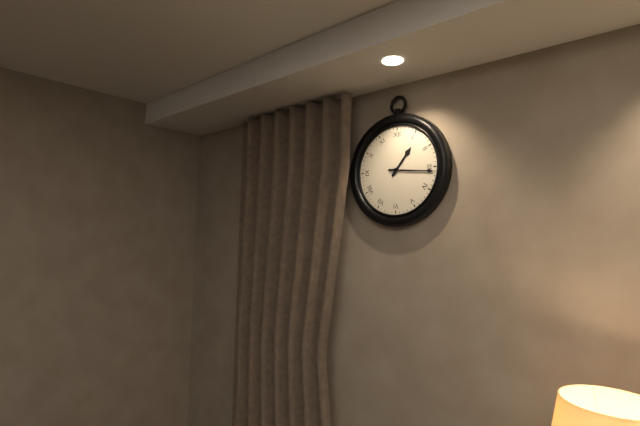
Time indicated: 1,16
